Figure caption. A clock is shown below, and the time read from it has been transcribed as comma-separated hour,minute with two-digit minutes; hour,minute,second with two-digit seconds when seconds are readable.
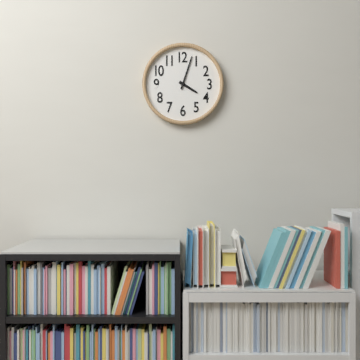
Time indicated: 4,03
